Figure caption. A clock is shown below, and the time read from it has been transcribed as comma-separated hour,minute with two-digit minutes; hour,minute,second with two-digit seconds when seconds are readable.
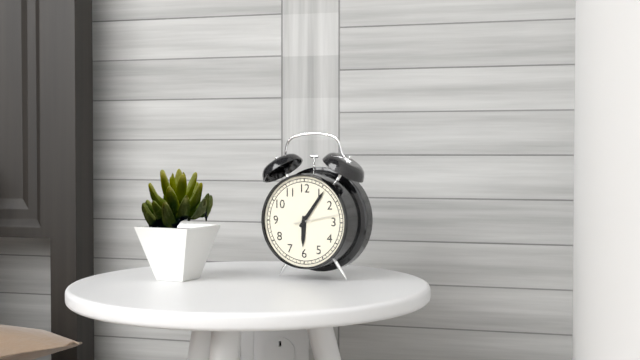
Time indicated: 6,06
